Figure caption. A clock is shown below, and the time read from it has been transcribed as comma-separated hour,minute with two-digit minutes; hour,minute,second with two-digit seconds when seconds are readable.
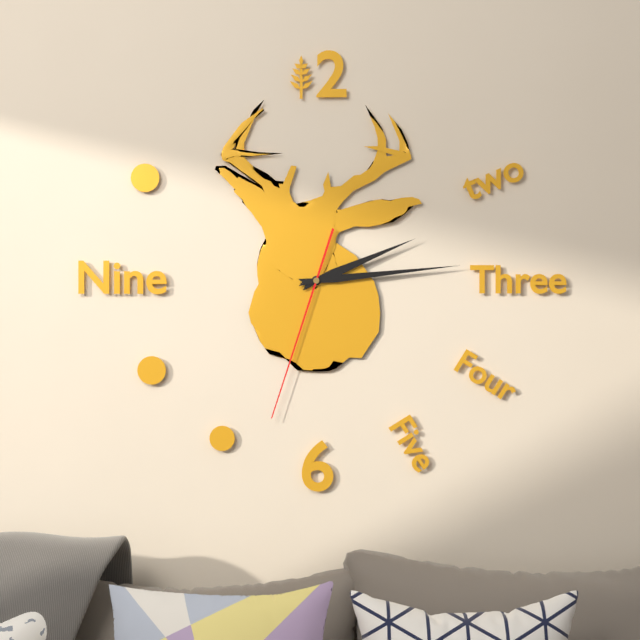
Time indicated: 2,14,33
